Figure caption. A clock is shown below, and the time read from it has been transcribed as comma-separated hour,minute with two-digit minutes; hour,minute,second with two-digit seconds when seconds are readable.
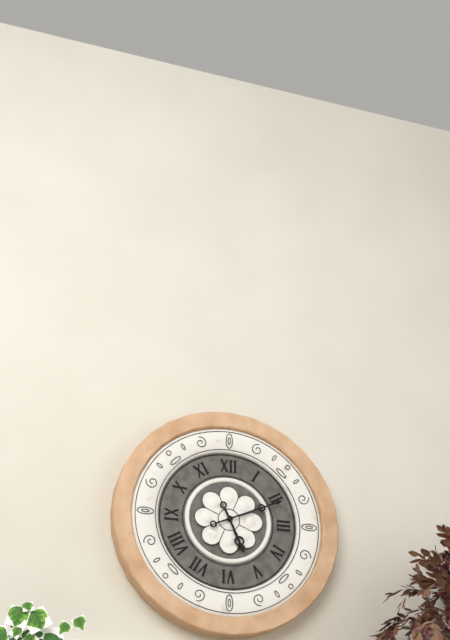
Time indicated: 5,11
